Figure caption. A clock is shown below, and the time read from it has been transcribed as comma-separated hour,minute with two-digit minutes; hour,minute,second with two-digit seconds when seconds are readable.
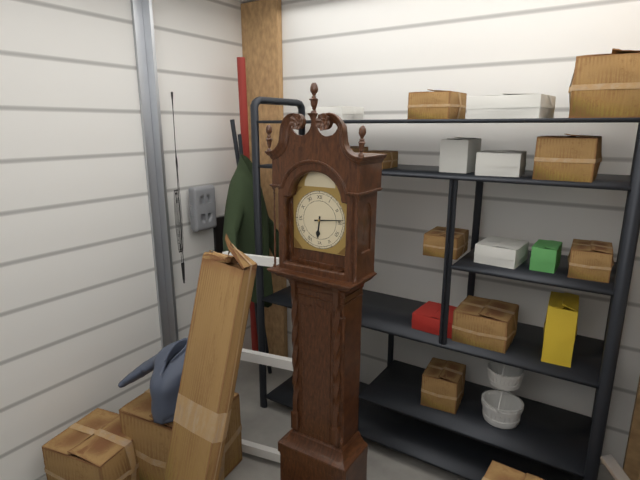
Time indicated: 6,14
